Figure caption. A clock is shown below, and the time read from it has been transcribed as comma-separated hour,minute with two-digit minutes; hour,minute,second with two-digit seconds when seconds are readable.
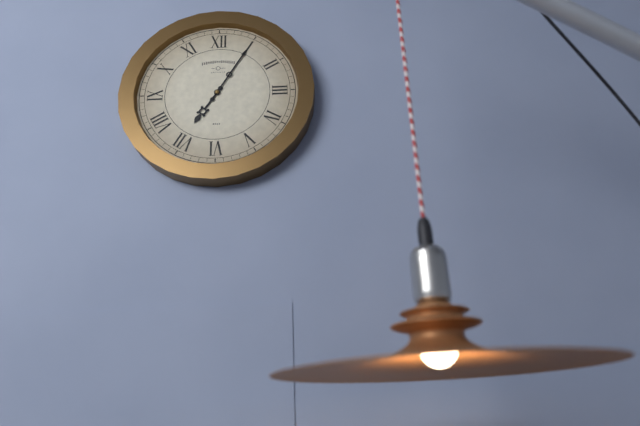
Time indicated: 7,05
